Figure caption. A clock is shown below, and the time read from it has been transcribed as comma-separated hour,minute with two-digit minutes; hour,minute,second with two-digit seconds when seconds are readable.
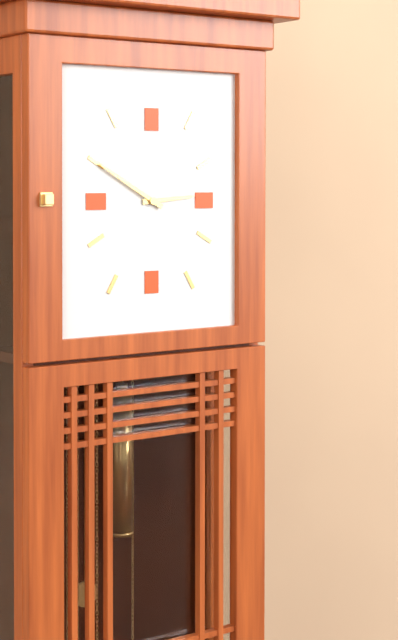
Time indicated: 2,50
